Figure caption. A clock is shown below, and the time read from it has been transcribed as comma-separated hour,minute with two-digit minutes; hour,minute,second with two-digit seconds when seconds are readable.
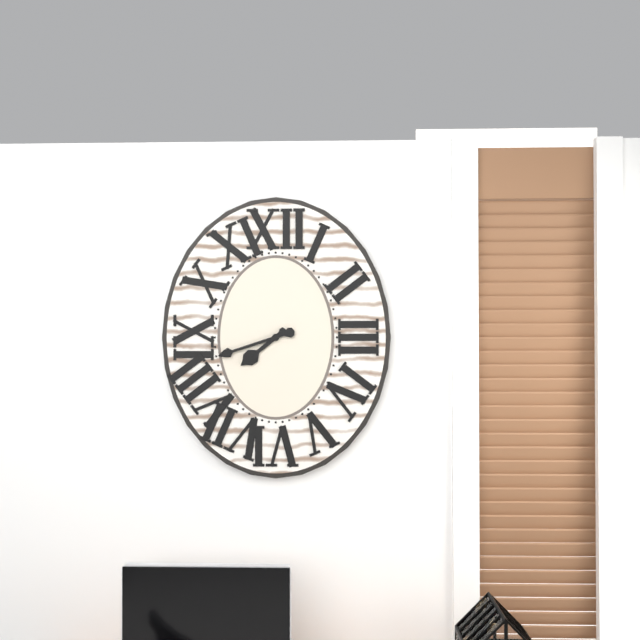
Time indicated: 7,42
